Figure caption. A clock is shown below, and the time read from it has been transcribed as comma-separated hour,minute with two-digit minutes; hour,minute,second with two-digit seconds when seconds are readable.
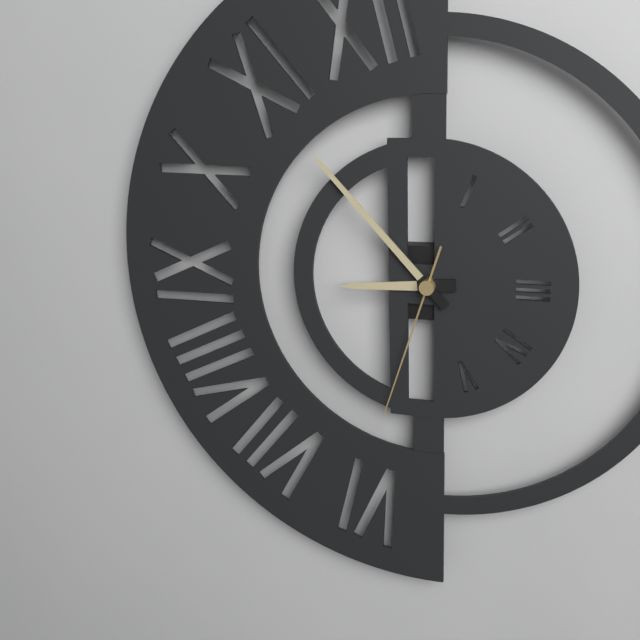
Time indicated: 8,53,33
